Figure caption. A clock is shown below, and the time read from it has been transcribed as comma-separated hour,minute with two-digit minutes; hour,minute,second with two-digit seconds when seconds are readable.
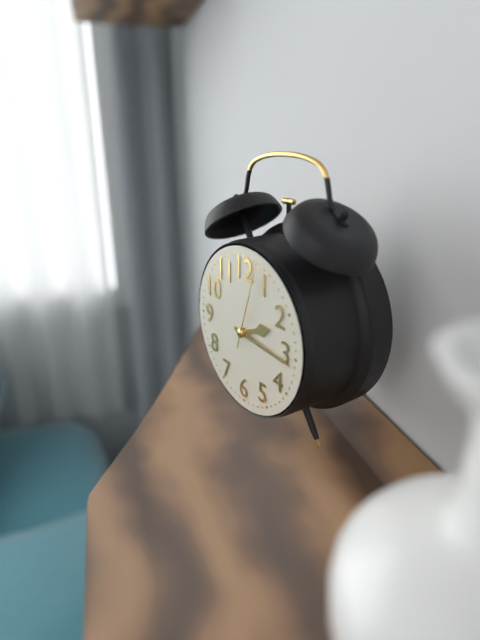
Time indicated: 2,16,03
